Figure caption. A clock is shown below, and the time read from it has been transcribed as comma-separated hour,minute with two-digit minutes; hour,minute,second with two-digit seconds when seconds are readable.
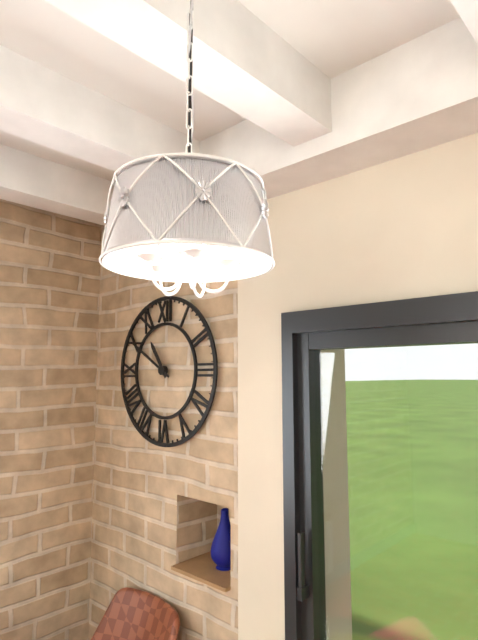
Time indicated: 10,50
